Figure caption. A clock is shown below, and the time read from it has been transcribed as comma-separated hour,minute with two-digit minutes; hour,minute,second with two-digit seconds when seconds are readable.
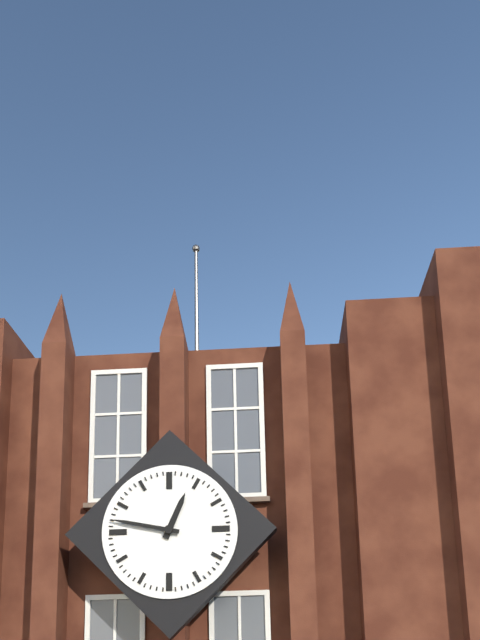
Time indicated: 12,47
